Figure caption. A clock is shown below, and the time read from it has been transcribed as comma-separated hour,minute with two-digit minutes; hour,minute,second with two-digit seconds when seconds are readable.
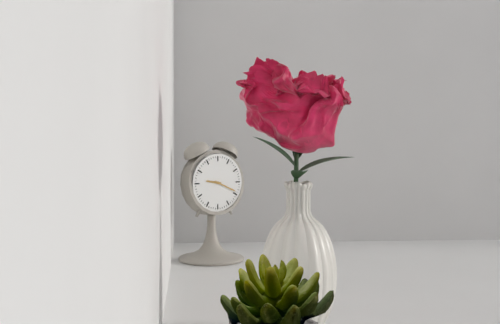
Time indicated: 9,19
